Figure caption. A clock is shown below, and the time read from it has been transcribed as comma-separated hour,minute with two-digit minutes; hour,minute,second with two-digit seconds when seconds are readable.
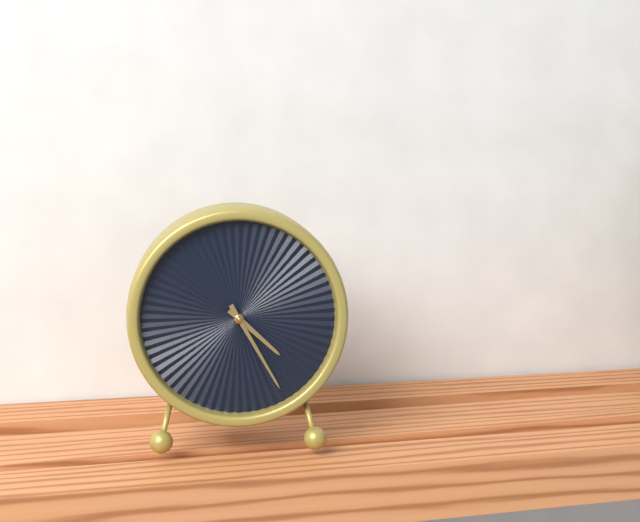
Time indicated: 4,25
